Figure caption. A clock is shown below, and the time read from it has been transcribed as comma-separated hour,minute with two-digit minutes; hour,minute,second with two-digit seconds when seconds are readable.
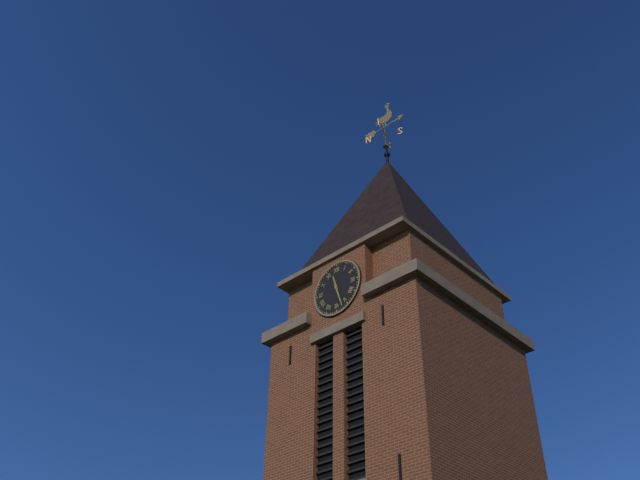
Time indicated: 11,27
